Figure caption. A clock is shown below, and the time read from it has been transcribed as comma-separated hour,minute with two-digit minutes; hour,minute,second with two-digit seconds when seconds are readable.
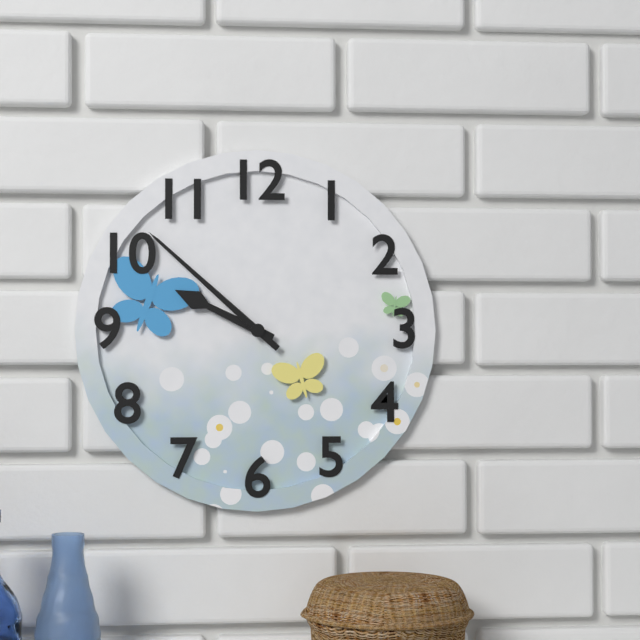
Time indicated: 9,52
